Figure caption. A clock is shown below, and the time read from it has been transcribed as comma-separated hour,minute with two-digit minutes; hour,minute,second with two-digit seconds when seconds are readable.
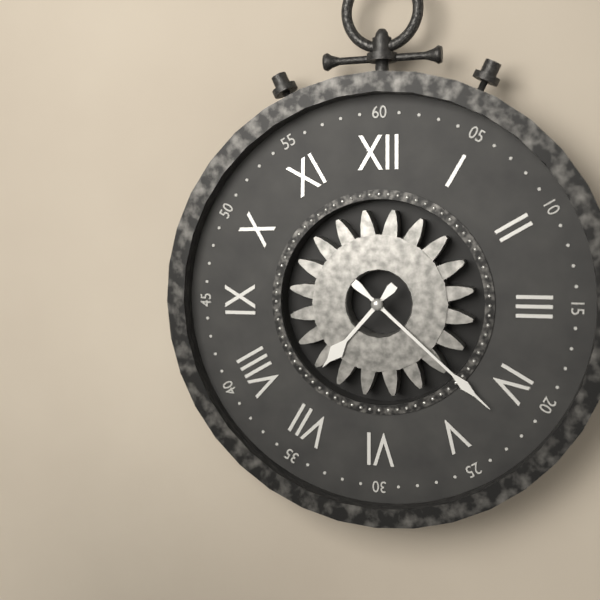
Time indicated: 7,22
